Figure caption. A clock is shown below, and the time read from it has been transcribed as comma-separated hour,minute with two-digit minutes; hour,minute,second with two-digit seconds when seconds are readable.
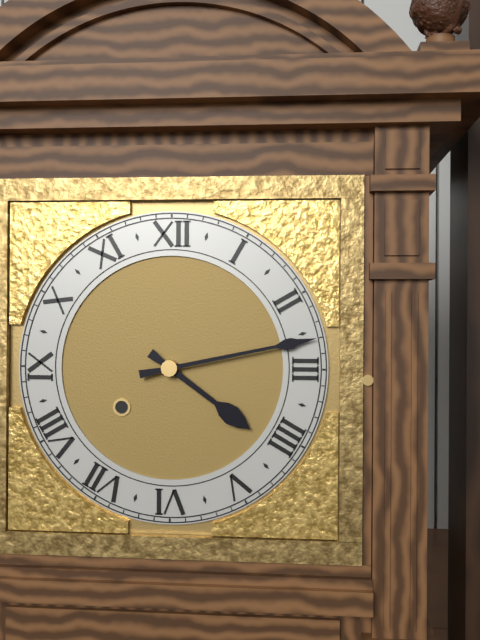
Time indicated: 4,13
